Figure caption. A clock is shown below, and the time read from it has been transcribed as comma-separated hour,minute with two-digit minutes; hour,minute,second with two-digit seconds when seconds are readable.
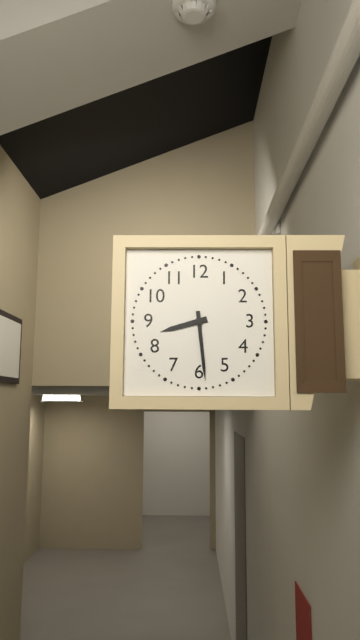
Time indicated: 8,29
